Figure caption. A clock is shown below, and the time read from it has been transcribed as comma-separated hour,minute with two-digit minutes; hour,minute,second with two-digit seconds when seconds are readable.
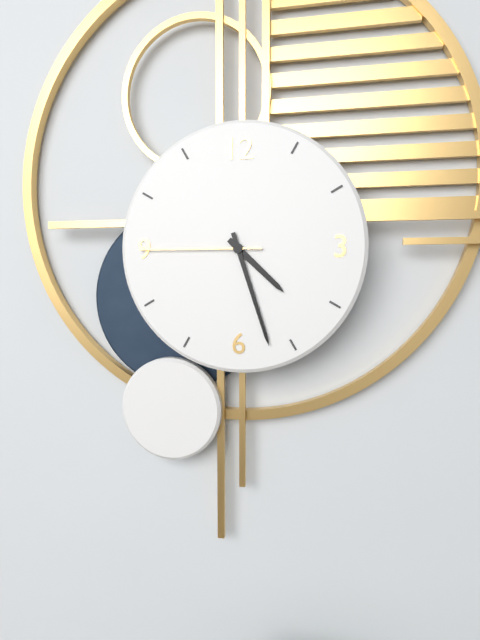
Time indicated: 4,27,45
